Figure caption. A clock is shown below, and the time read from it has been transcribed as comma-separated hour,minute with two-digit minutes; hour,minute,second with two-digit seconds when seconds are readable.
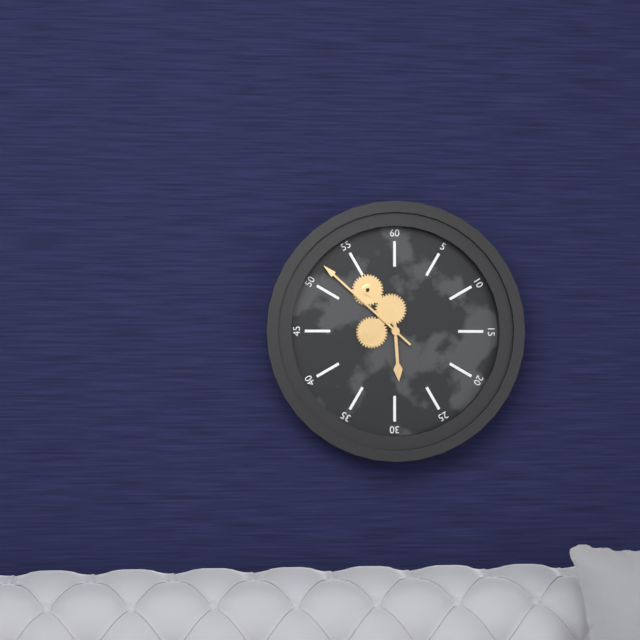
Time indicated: 5,52
